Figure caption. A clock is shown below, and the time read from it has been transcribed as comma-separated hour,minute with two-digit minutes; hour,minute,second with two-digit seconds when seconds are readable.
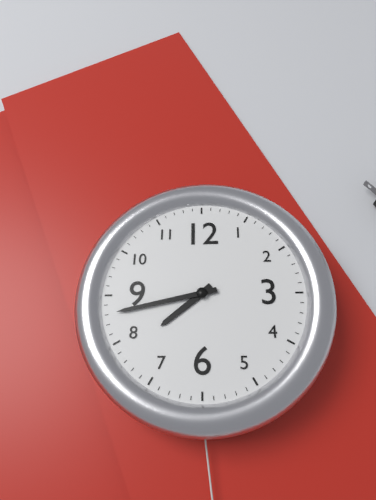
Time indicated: 7,43
